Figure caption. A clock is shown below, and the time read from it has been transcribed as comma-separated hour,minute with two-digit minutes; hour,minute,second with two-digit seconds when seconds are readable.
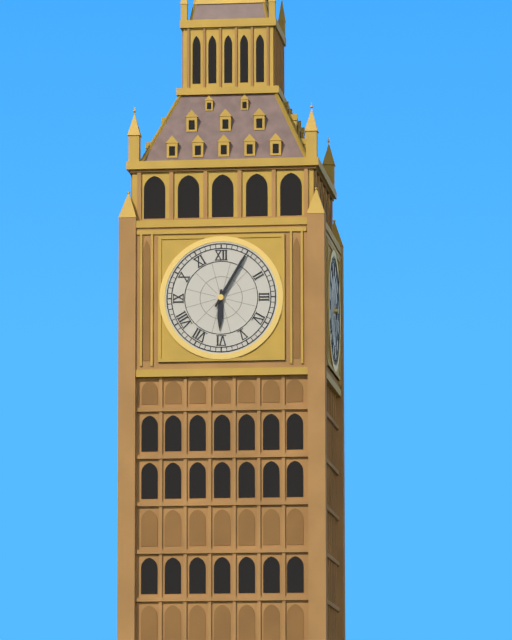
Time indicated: 6,05
